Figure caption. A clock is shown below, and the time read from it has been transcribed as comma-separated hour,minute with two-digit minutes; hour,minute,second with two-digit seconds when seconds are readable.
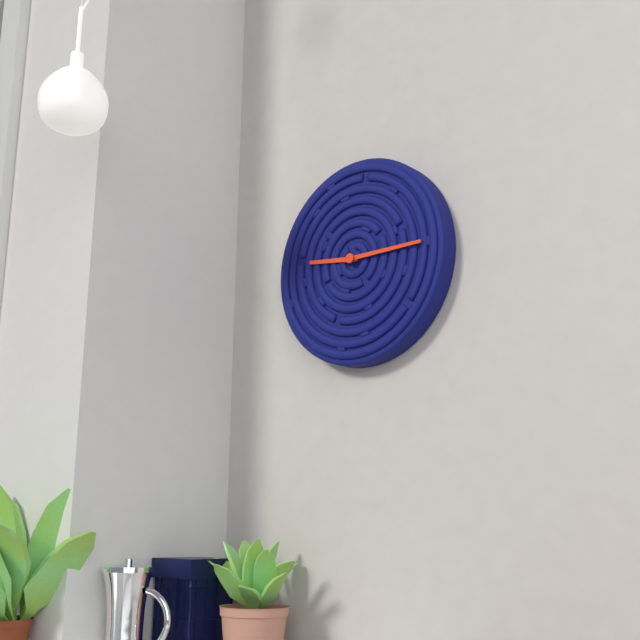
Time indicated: 9,15
